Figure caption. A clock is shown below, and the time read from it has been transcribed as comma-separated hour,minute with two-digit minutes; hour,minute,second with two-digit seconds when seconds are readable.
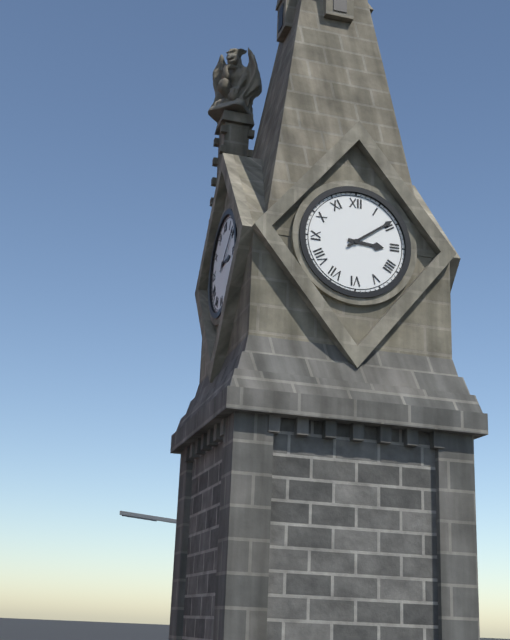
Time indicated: 3,09
